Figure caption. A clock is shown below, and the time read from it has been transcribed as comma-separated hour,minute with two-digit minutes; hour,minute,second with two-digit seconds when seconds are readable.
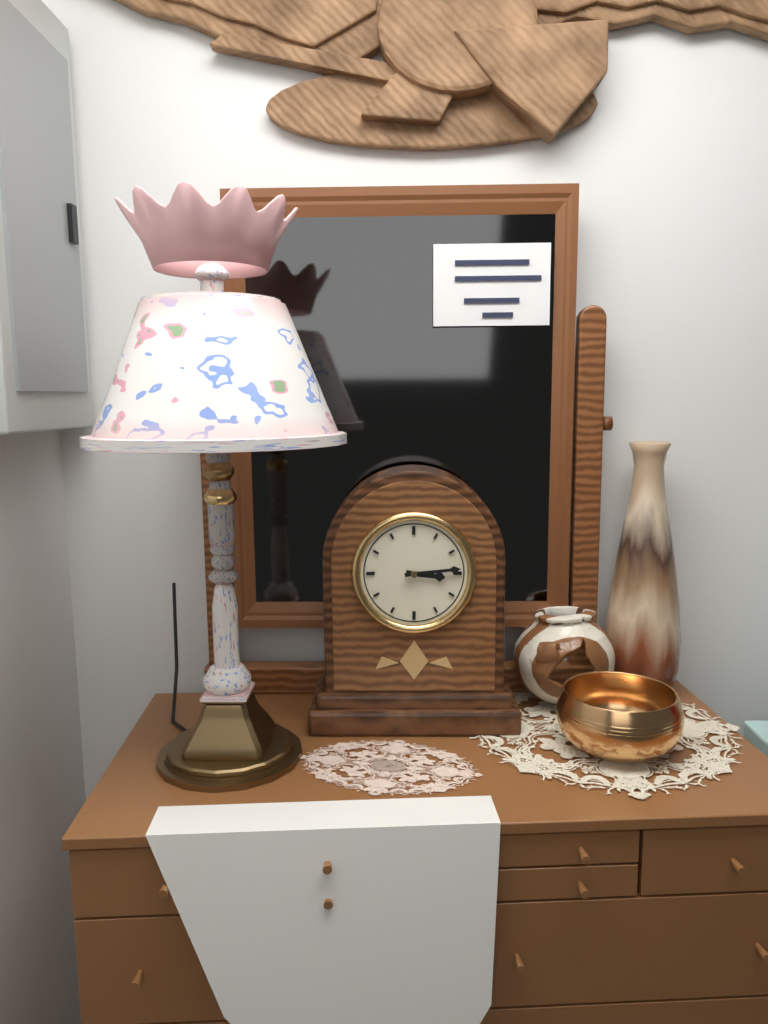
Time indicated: 3,14
